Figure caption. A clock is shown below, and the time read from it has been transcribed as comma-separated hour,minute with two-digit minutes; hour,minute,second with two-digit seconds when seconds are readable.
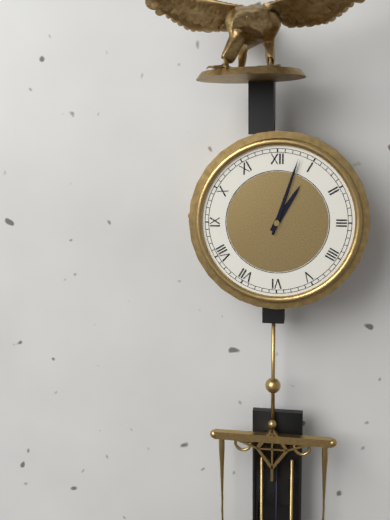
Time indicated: 1,03
